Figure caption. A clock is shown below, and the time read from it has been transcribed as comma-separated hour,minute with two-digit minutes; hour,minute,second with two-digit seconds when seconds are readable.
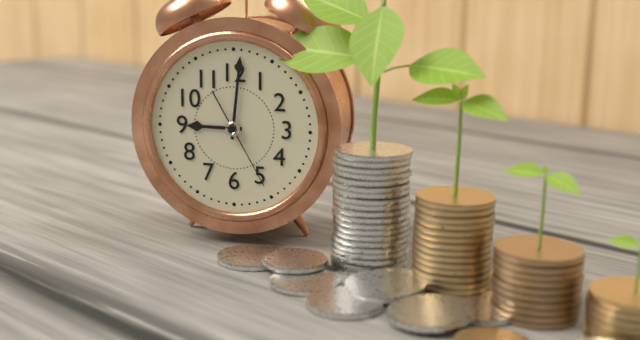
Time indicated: 9,01,25
